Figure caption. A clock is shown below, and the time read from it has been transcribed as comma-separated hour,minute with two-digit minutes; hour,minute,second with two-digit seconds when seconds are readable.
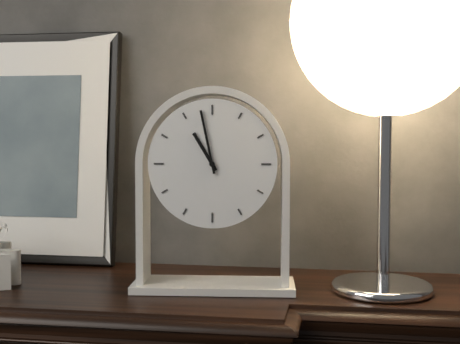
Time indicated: 10,58
